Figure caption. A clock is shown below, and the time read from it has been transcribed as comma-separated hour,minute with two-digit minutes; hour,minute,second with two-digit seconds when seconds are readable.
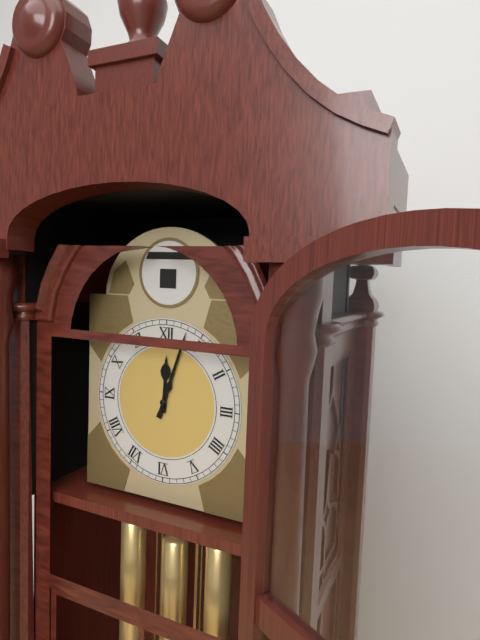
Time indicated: 12,03
